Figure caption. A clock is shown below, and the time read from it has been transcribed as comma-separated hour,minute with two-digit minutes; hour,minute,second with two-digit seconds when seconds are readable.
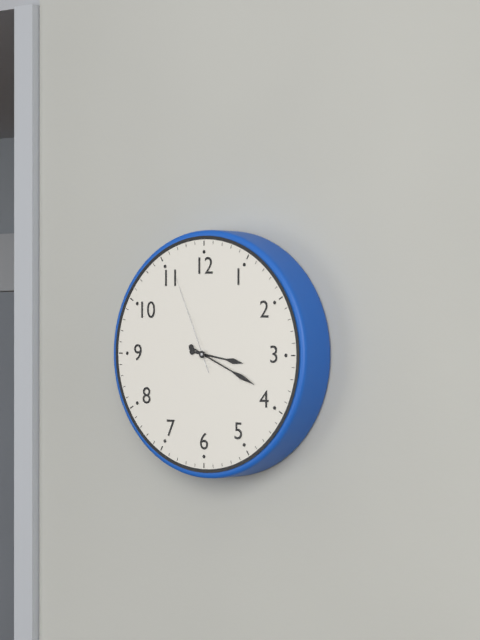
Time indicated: 3,19,56
